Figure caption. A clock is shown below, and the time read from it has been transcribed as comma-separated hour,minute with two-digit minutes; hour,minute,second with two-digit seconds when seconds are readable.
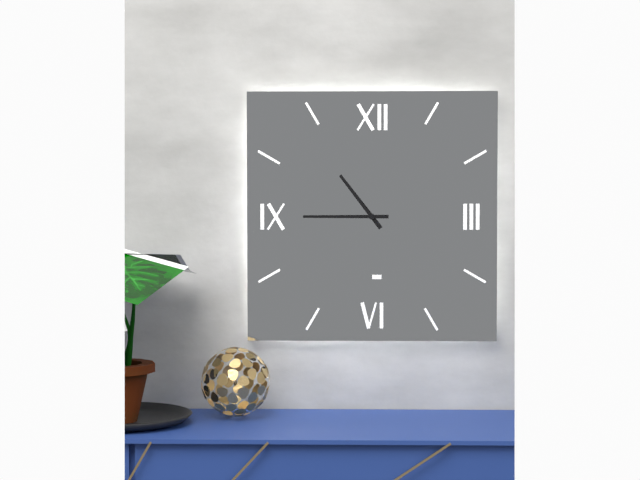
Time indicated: 10,45
